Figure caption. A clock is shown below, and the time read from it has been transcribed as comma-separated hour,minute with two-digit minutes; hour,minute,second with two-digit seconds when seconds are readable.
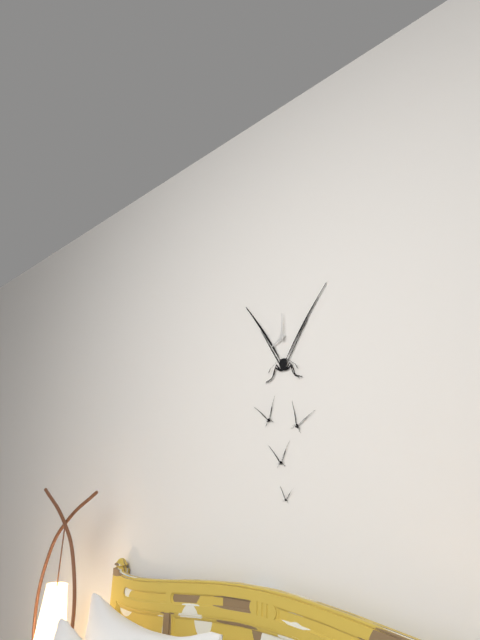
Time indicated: 8,00
